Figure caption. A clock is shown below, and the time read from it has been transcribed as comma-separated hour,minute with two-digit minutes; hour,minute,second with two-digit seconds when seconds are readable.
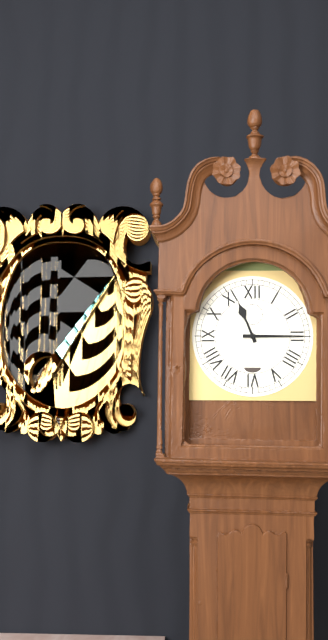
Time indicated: 11,15
